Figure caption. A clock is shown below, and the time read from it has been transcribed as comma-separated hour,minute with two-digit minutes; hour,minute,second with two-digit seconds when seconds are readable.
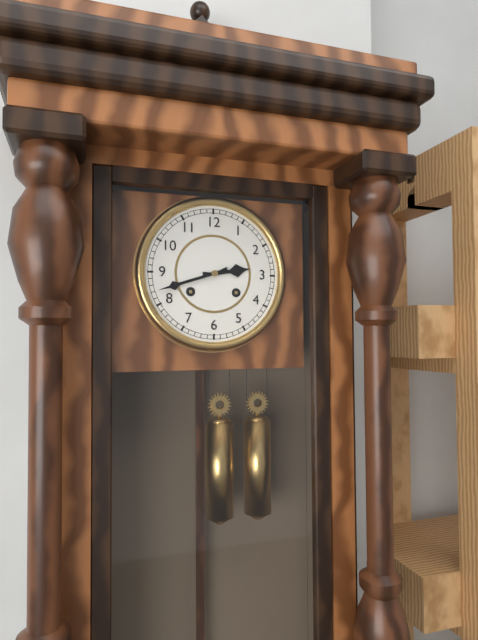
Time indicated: 2,42
